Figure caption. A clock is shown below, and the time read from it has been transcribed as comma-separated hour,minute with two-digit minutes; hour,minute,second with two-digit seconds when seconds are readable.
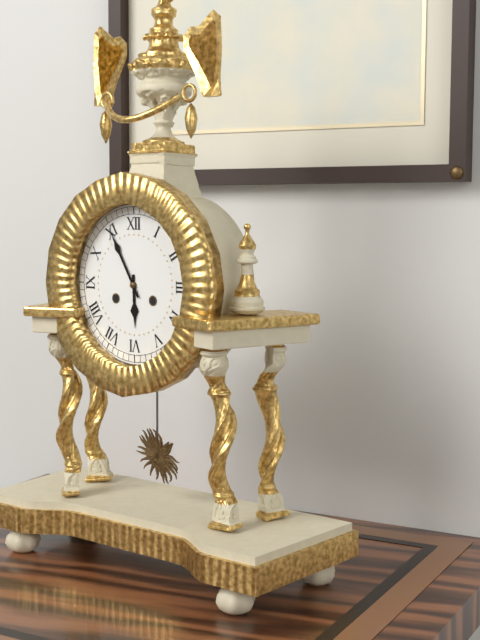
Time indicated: 5,55
